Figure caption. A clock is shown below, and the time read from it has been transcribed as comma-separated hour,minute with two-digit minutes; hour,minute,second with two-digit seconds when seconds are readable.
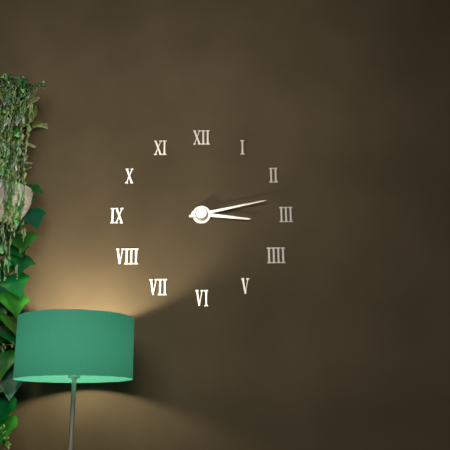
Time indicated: 3,13
